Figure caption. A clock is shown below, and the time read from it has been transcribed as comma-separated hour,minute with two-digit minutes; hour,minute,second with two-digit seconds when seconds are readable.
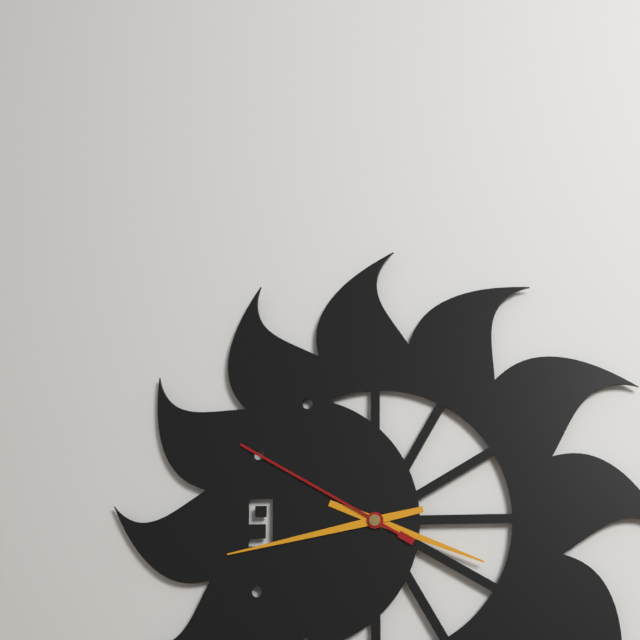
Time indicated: 3,43,50
